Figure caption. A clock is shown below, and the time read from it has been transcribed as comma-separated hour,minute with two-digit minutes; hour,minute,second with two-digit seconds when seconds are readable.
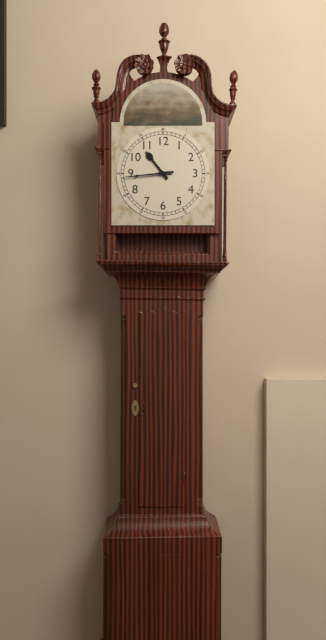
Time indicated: 10,44
